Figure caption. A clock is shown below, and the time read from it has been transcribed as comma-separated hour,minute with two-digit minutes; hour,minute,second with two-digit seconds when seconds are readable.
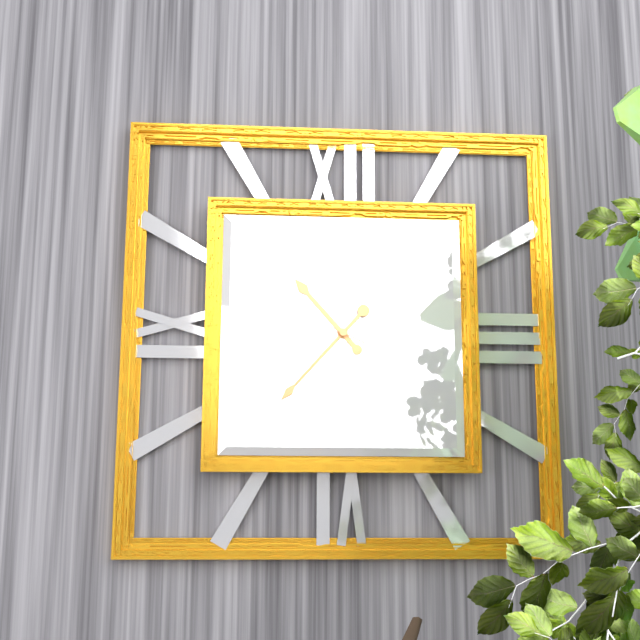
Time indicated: 10,37,49
